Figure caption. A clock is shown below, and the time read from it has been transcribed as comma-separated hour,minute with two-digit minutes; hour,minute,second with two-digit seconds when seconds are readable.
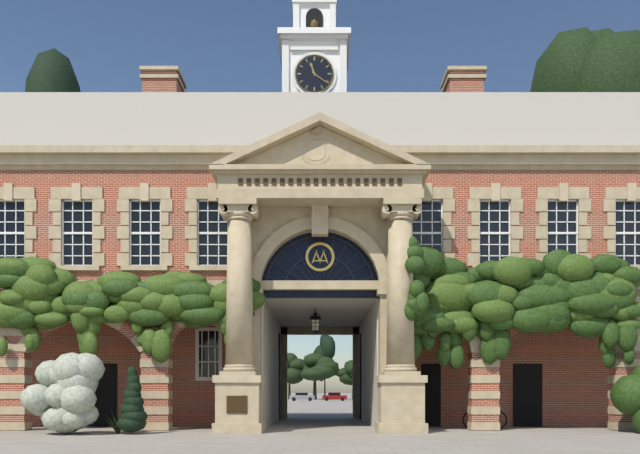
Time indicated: 11,21
